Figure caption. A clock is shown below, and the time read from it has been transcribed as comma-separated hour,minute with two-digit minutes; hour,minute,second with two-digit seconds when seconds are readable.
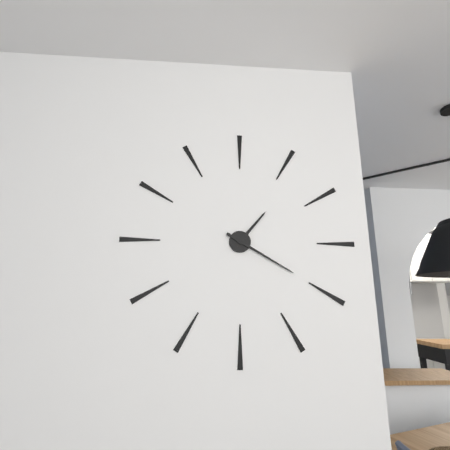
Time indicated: 1,20
